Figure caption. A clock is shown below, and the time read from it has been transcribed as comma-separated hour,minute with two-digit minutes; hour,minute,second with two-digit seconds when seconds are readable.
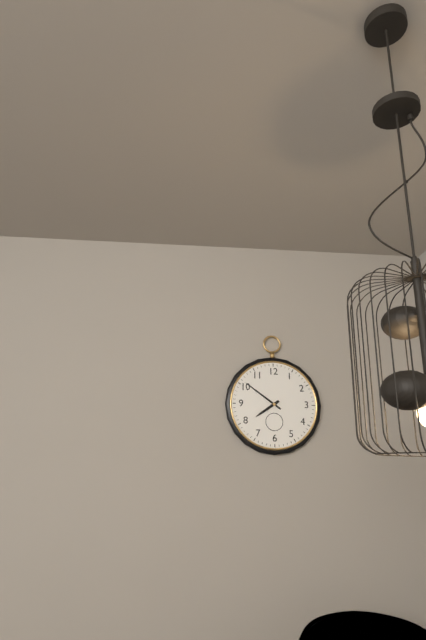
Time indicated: 7,51
